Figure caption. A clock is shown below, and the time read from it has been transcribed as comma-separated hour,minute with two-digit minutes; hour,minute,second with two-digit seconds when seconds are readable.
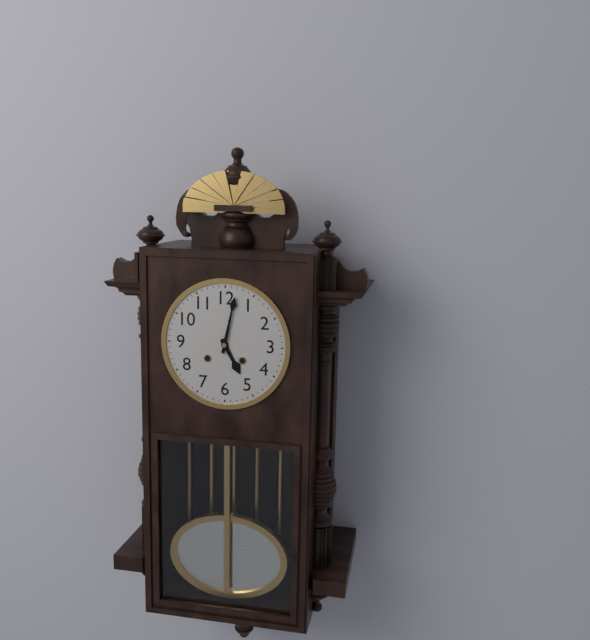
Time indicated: 5,02
